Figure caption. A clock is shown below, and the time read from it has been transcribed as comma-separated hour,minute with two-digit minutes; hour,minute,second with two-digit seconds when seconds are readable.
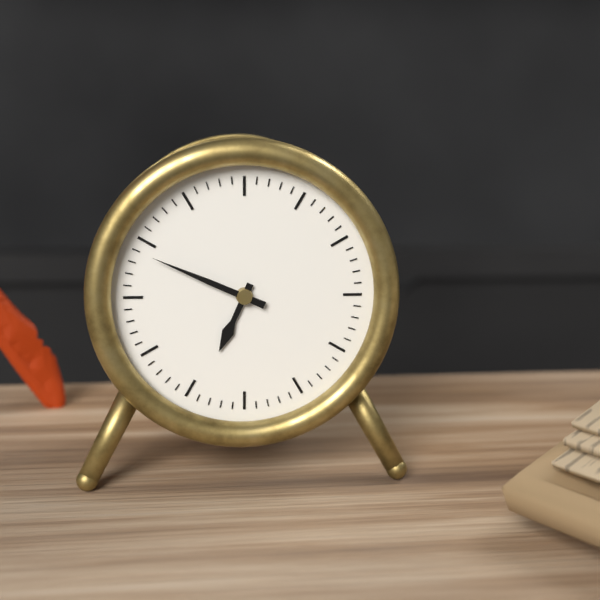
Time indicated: 6,49
